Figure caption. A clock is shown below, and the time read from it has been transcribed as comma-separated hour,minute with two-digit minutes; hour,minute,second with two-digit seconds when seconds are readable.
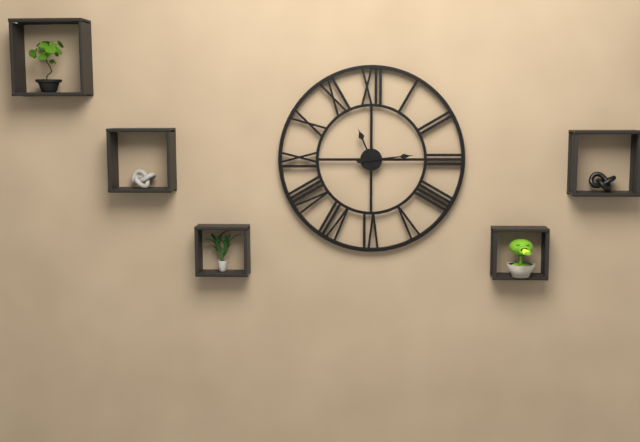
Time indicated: 11,14
